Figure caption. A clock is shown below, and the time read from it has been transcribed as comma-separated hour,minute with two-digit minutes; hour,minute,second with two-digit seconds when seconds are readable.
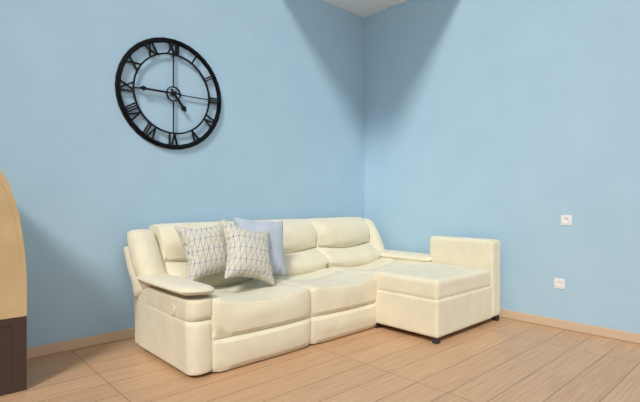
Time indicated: 4,45
